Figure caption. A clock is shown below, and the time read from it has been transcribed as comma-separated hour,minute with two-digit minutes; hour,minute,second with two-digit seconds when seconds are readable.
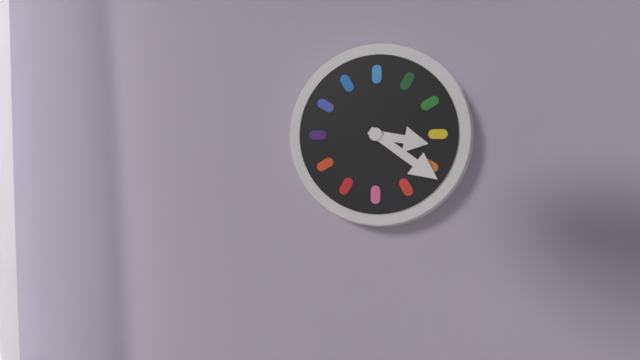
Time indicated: 3,21
